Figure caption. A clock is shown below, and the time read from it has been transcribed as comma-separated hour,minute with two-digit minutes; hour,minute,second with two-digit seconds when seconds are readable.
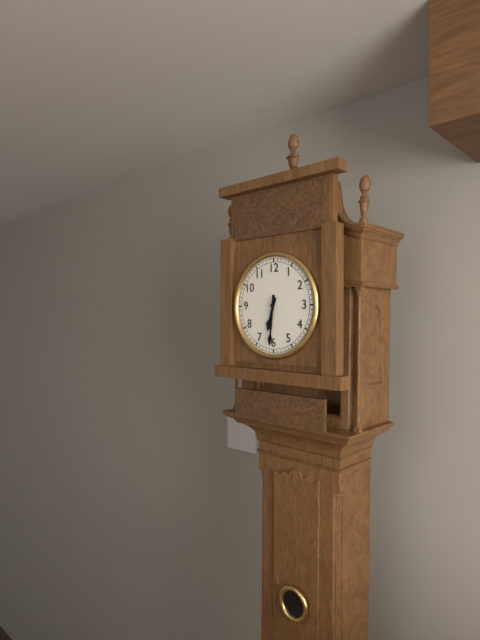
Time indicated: 6,31
